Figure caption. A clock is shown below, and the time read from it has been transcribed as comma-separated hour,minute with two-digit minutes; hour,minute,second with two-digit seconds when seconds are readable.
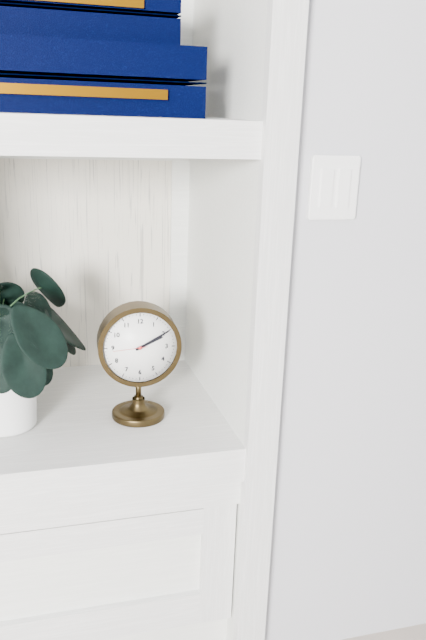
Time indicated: 2,10
